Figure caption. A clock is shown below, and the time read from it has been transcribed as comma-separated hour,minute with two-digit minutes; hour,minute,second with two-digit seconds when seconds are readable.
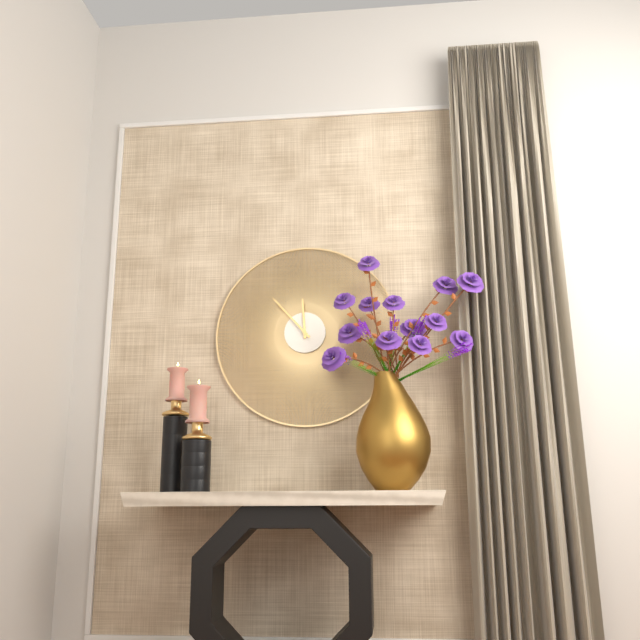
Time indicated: 11,53
